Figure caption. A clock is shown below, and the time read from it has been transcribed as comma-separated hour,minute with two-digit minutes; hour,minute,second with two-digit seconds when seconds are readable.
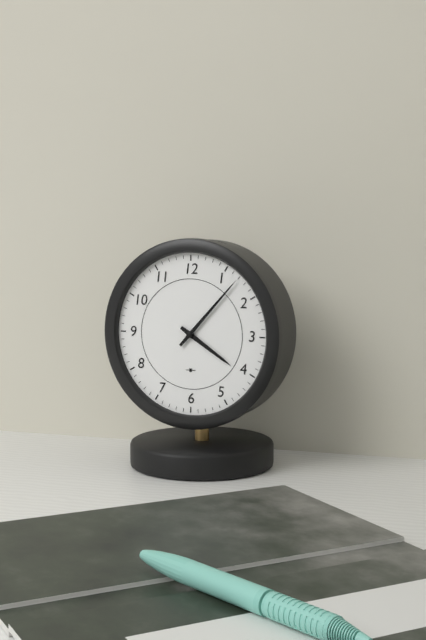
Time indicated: 4,07
